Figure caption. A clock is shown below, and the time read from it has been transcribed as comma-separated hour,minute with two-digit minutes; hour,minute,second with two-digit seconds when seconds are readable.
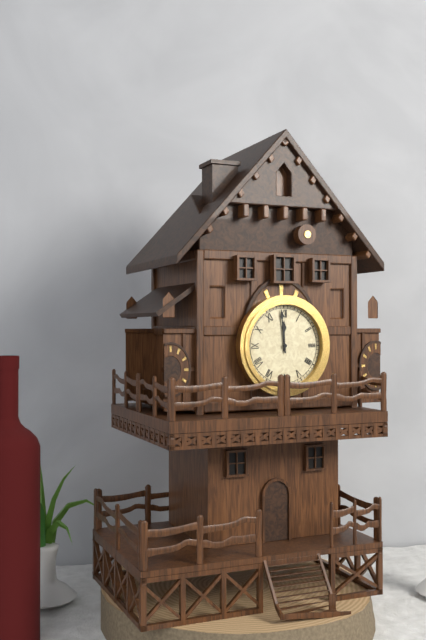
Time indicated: 11,59
